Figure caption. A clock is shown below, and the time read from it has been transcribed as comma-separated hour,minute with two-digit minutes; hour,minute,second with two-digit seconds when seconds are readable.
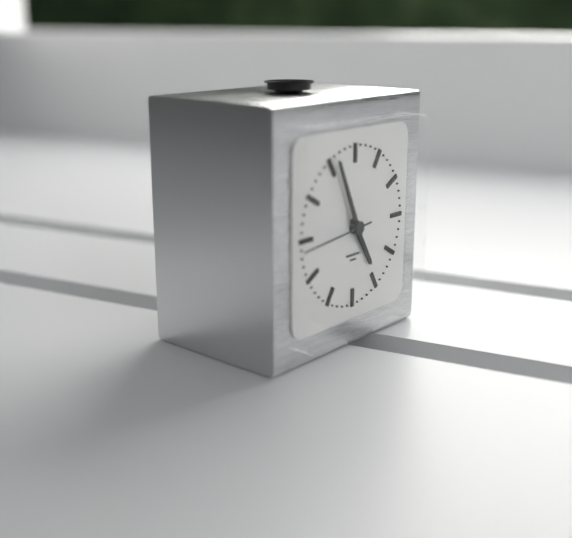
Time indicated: 4,56,44
